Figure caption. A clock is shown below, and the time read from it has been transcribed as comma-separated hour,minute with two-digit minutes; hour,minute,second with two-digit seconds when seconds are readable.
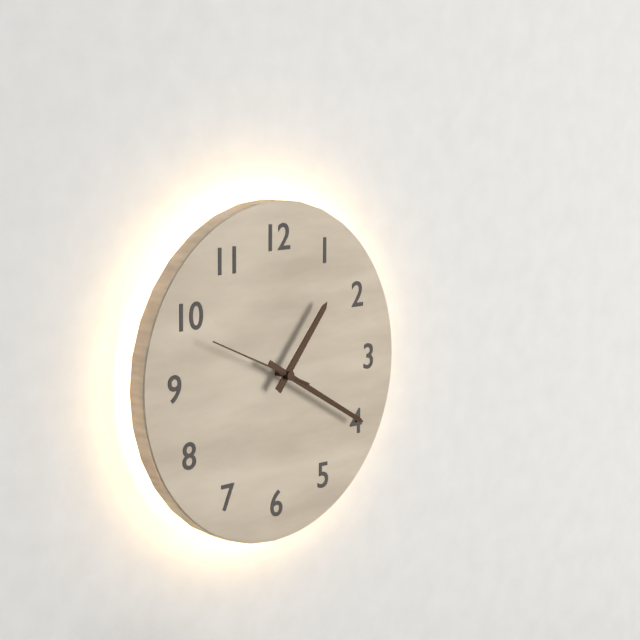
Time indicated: 1,20,49
